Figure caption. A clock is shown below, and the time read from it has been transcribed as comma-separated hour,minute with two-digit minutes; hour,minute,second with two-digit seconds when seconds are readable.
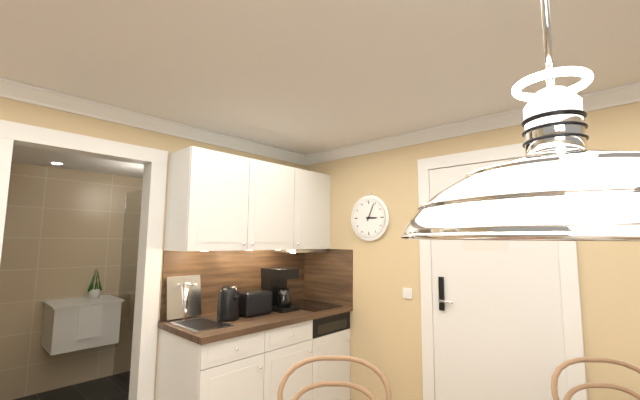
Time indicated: 3,04
